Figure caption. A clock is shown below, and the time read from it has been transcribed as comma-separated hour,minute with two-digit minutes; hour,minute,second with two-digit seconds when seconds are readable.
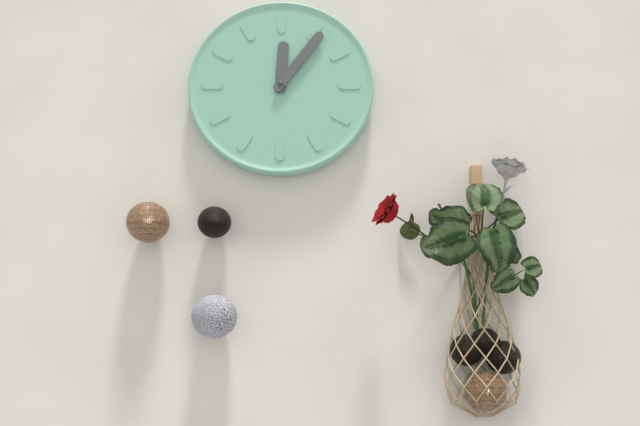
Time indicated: 12,06
